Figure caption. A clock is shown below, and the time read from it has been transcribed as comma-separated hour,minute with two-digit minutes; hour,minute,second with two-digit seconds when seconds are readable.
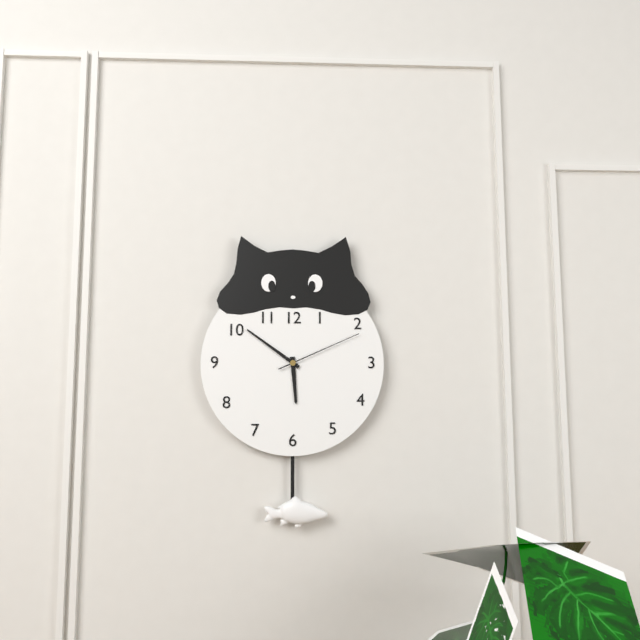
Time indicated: 5,51,11
